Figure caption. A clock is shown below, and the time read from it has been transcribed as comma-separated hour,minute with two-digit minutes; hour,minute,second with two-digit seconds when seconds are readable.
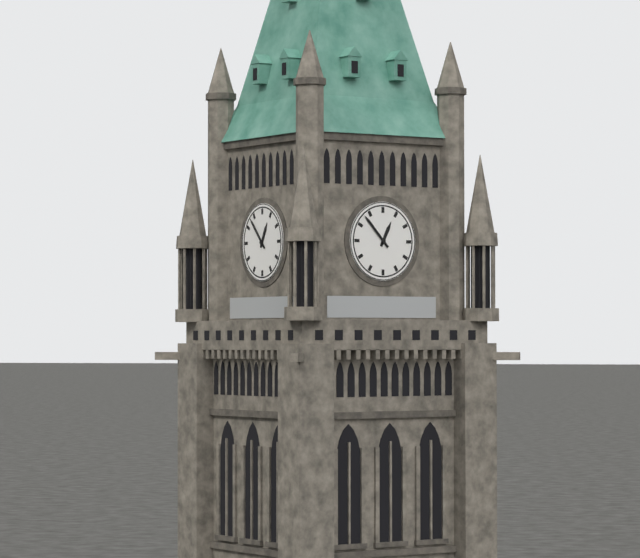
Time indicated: 12,53
